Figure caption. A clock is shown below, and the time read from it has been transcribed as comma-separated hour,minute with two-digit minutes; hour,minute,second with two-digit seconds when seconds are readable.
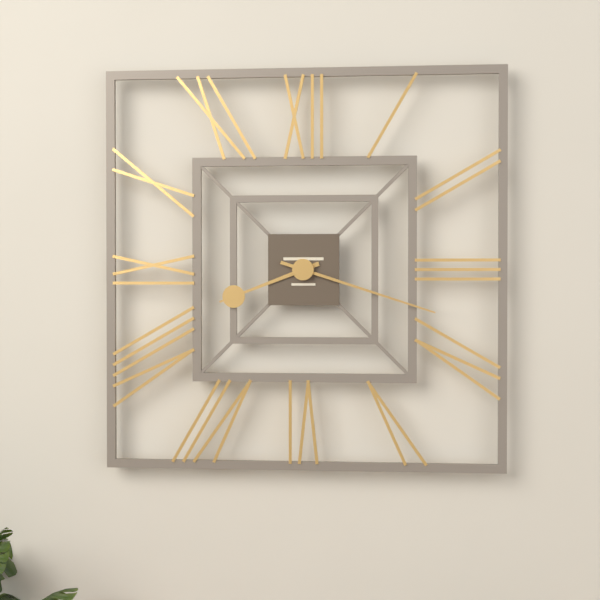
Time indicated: 8,18
